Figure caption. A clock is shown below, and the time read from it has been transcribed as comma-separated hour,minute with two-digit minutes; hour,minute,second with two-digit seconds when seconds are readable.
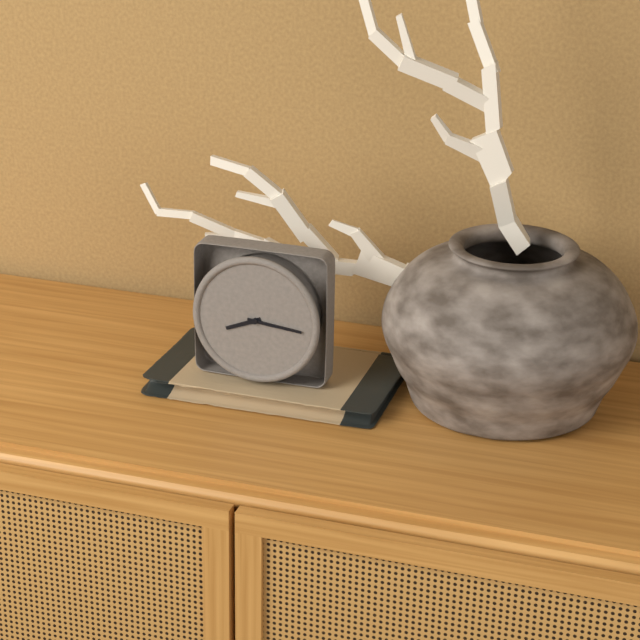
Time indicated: 8,16
